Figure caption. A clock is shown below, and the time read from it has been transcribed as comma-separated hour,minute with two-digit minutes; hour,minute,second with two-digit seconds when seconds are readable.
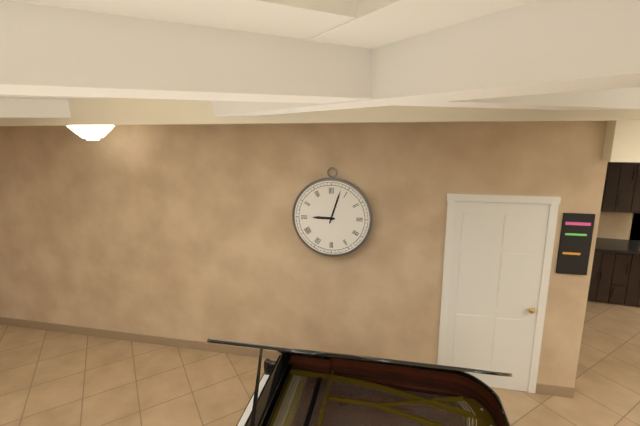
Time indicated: 9,03
